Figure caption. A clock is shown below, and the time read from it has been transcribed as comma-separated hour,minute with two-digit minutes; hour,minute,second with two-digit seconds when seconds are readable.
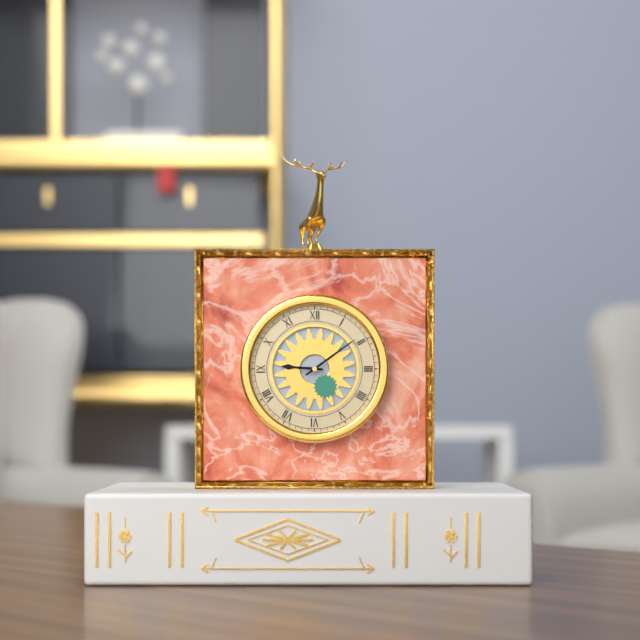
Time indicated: 9,09
